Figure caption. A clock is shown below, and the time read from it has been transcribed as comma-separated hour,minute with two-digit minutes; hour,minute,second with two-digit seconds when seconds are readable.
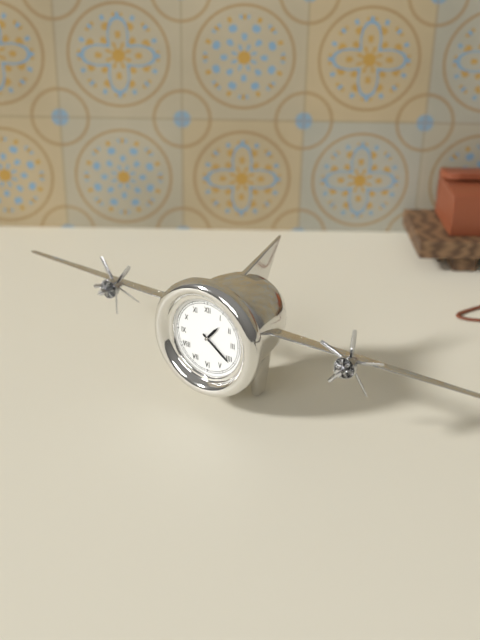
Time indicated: 1,21
